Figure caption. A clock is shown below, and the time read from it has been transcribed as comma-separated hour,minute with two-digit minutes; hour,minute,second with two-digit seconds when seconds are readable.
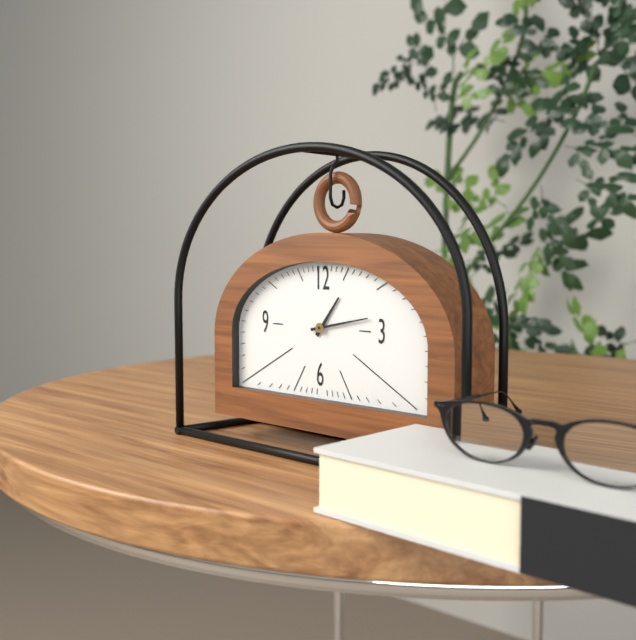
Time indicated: 1,13
